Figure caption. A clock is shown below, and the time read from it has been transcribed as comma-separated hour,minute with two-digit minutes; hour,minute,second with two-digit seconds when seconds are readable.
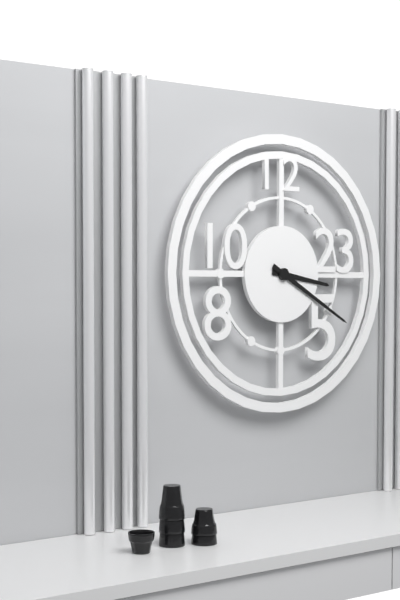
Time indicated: 3,20
